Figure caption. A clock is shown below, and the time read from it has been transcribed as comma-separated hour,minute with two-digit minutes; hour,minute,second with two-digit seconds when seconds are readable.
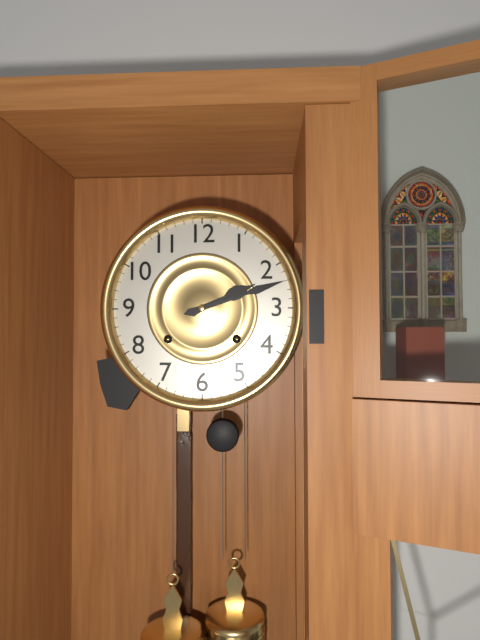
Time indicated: 2,12
